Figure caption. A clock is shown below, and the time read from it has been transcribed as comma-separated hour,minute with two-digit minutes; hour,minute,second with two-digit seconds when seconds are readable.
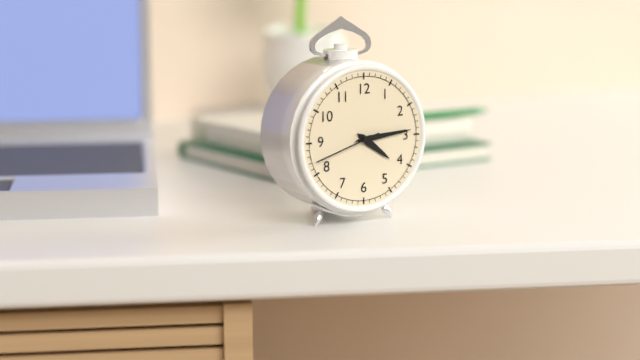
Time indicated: 4,14,42
